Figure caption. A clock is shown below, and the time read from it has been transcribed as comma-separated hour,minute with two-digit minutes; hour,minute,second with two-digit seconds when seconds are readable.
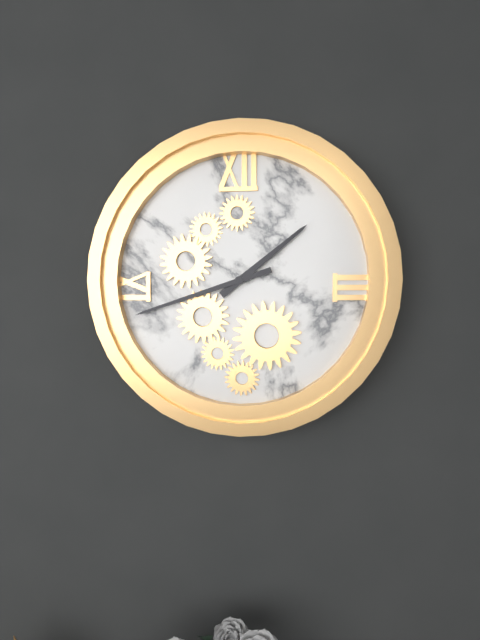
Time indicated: 1,42
